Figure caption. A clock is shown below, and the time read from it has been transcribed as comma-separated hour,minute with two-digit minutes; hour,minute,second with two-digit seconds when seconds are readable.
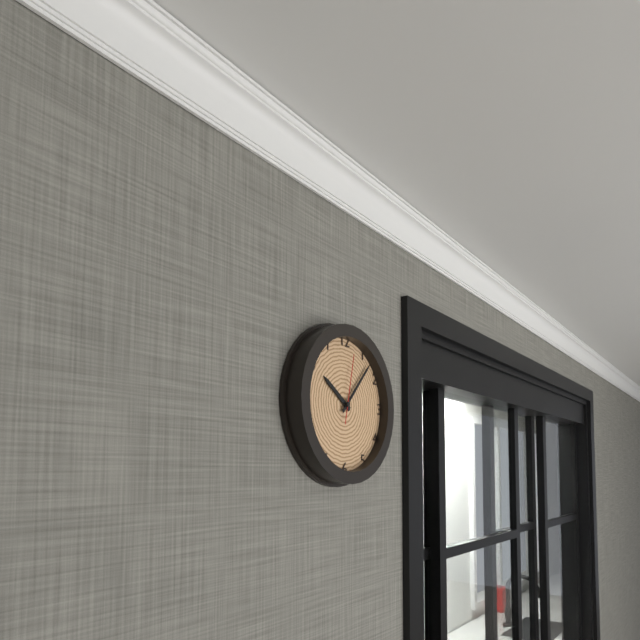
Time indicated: 10,07,02
